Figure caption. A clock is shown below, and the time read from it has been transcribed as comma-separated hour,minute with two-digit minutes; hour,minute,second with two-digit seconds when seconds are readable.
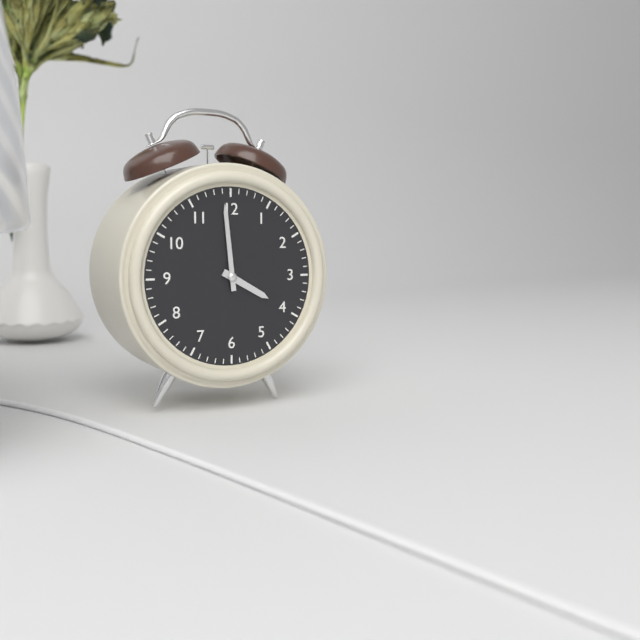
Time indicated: 3,59
